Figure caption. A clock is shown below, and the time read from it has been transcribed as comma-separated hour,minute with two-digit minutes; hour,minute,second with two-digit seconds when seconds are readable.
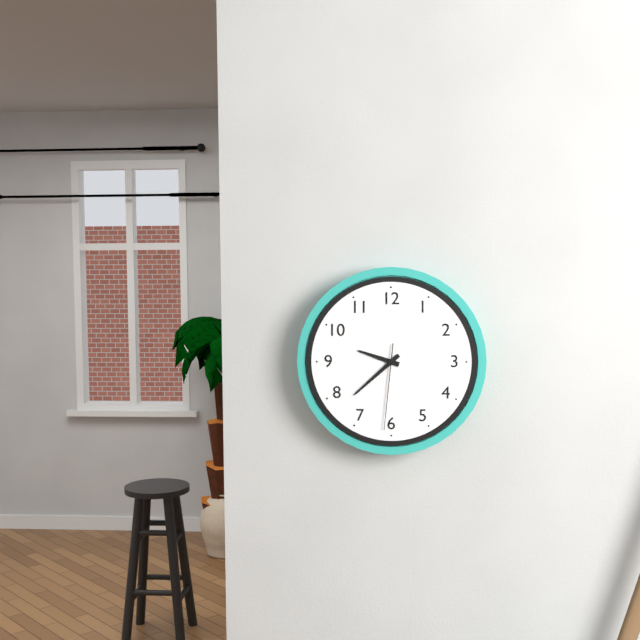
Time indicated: 9,38,31
